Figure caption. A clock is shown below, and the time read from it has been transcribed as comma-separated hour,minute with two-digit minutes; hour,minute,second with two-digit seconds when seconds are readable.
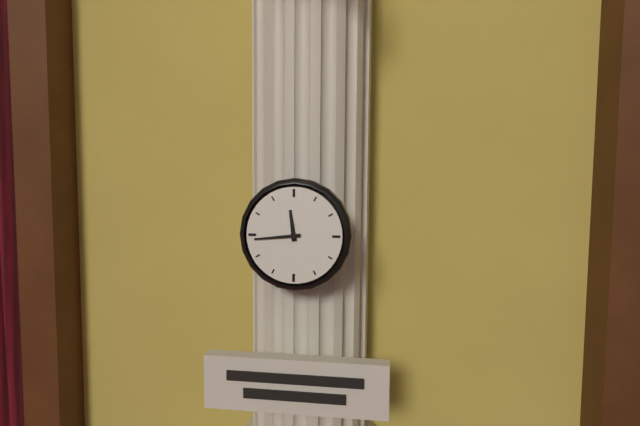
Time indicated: 11,44
